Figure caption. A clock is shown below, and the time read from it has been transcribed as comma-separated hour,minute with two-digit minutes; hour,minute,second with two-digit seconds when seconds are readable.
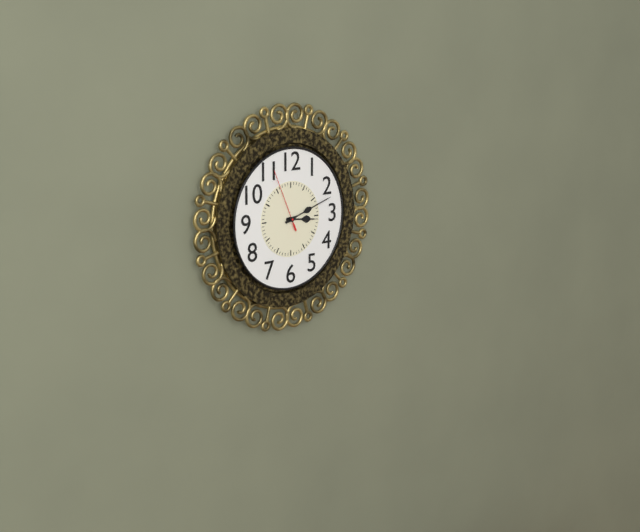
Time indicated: 3,12,56
